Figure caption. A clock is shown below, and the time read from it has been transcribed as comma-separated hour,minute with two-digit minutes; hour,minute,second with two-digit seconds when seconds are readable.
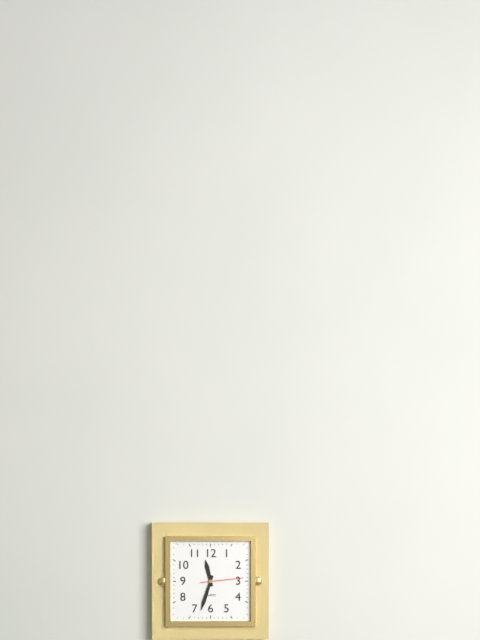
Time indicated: 11,33
